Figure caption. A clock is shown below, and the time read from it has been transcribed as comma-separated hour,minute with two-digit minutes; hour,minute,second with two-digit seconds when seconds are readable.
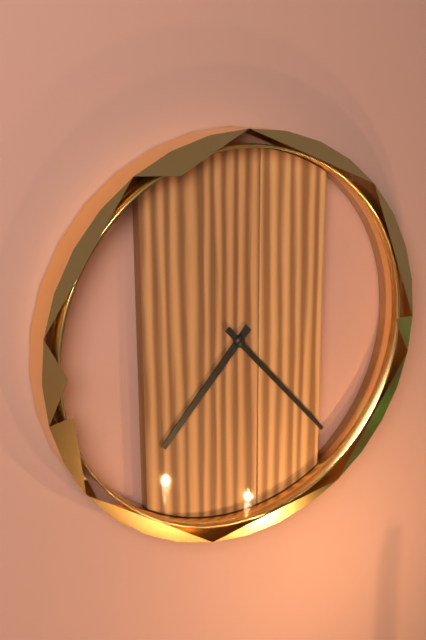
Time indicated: 7,23
